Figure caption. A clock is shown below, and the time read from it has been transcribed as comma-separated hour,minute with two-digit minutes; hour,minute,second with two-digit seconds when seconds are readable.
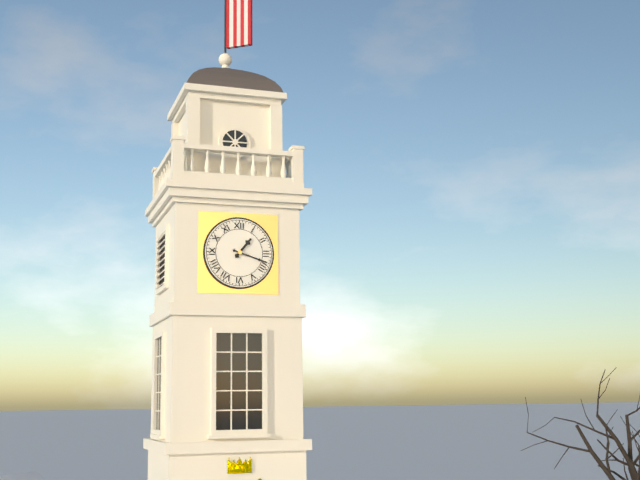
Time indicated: 1,18
